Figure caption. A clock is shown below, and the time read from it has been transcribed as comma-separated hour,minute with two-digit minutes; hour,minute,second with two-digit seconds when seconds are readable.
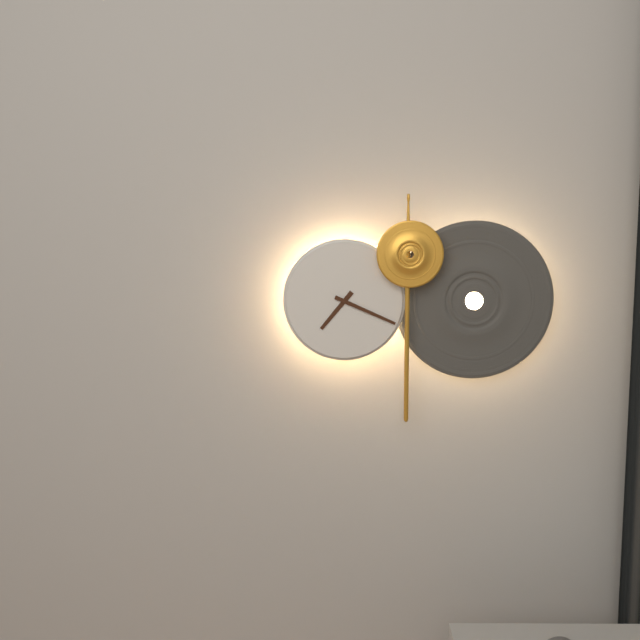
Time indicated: 7,19
